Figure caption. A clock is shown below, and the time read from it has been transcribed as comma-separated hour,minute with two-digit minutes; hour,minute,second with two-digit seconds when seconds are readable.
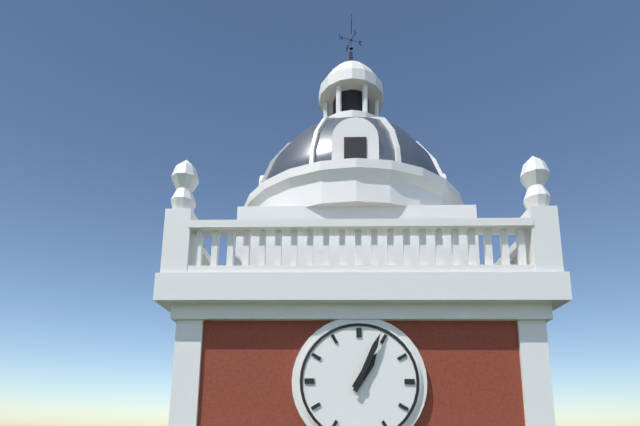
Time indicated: 1,04
